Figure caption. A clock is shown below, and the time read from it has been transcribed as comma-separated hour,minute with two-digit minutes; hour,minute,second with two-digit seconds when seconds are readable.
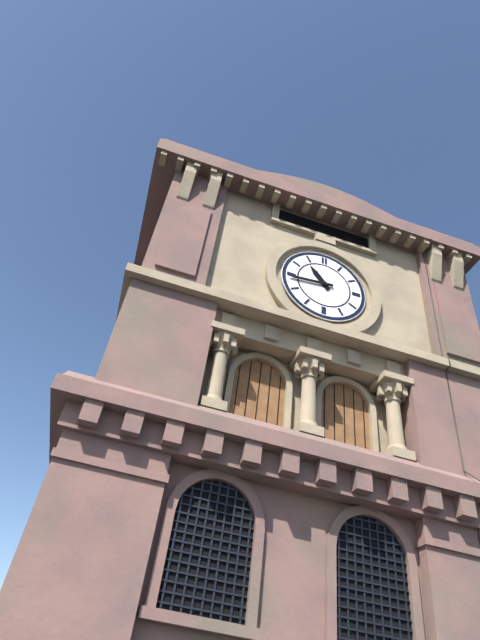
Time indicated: 10,44
